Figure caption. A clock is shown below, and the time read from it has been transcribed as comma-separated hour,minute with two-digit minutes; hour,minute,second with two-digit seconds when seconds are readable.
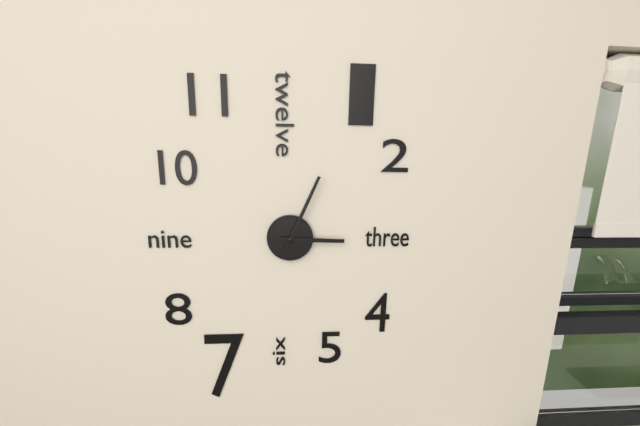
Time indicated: 3,04
